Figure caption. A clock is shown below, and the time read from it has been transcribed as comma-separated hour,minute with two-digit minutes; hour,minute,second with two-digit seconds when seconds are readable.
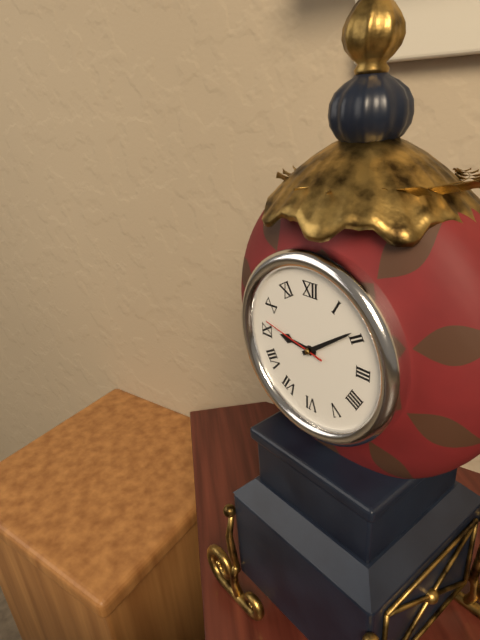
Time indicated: 9,09,47
